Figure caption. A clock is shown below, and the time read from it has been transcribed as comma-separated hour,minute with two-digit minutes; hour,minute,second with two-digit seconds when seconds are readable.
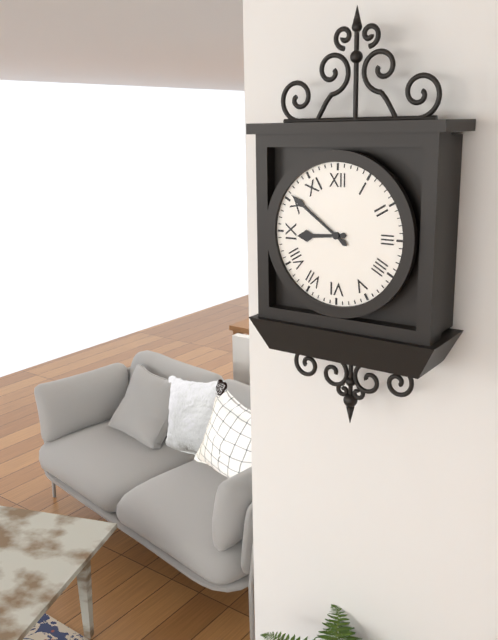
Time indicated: 8,51
